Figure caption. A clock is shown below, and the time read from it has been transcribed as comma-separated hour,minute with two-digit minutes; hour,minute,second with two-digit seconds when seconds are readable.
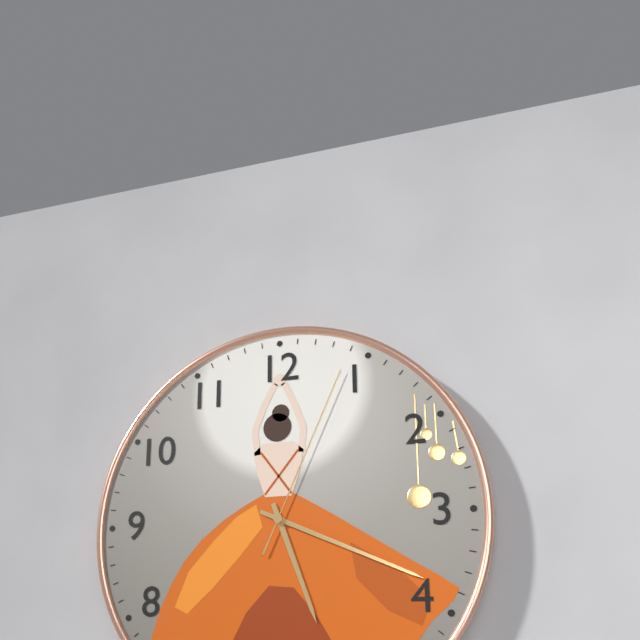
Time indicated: 5,19,04
